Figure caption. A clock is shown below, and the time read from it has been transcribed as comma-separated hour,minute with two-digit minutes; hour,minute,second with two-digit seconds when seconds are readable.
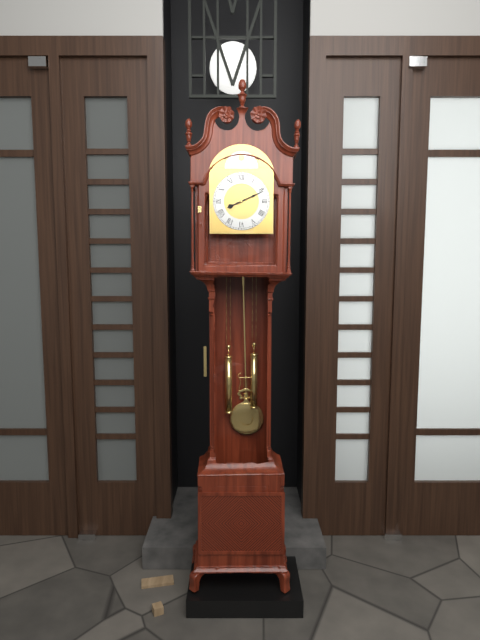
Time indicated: 8,11
